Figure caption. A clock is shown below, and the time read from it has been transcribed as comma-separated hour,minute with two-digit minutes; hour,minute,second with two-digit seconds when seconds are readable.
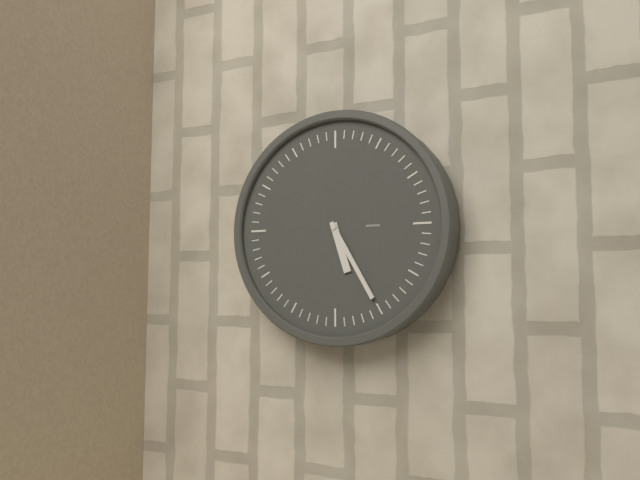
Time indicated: 5,25
